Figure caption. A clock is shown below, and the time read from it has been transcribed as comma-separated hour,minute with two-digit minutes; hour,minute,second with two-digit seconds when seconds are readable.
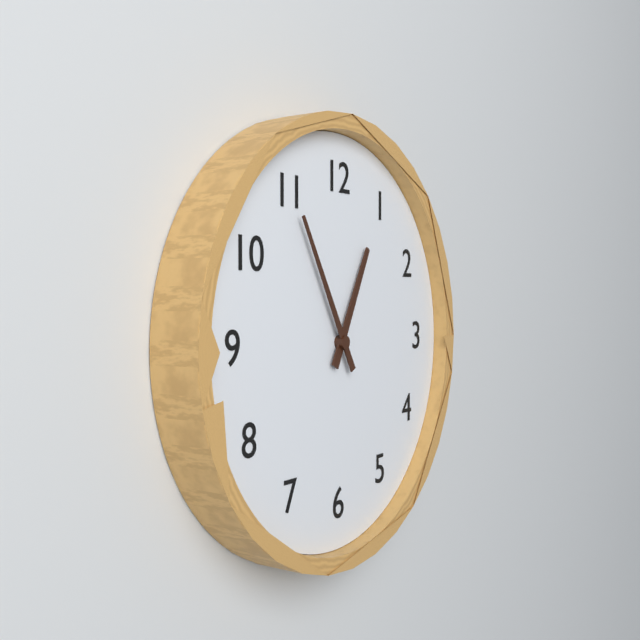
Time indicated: 12,55
